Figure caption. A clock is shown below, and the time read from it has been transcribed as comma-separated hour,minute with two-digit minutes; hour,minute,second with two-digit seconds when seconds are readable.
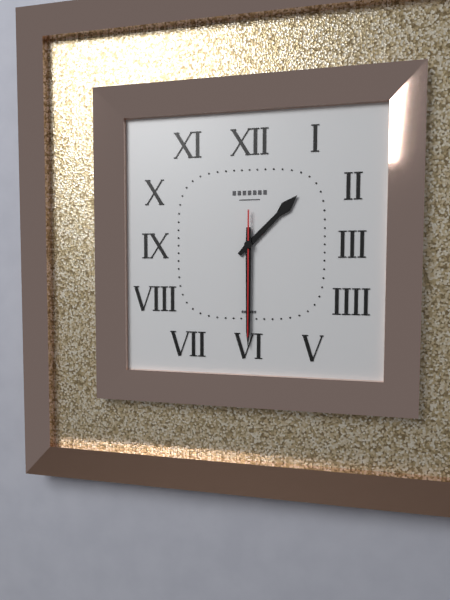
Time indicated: 1,30,30
